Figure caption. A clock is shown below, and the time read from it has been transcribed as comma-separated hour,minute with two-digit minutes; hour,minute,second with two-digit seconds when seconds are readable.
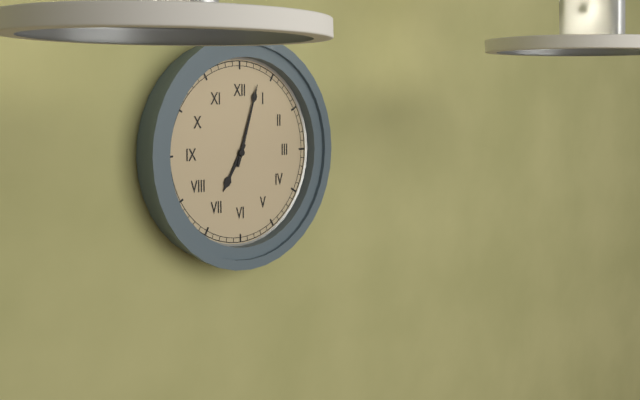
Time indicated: 7,03
